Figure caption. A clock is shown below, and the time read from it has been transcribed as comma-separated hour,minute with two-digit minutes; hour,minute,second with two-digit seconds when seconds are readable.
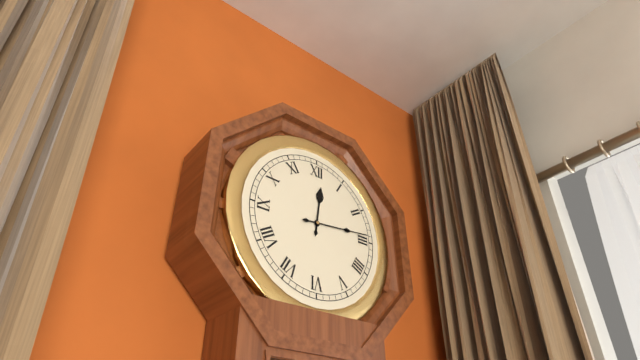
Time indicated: 12,14
